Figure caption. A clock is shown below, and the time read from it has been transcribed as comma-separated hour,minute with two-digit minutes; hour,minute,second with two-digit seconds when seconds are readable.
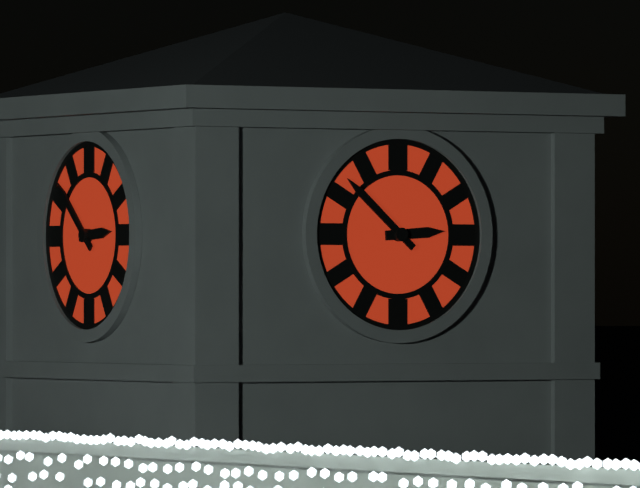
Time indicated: 2,52
